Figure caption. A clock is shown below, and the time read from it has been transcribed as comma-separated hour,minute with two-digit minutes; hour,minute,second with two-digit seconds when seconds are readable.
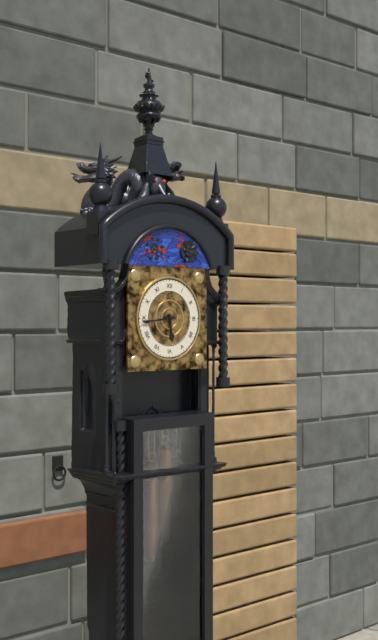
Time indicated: 5,44
